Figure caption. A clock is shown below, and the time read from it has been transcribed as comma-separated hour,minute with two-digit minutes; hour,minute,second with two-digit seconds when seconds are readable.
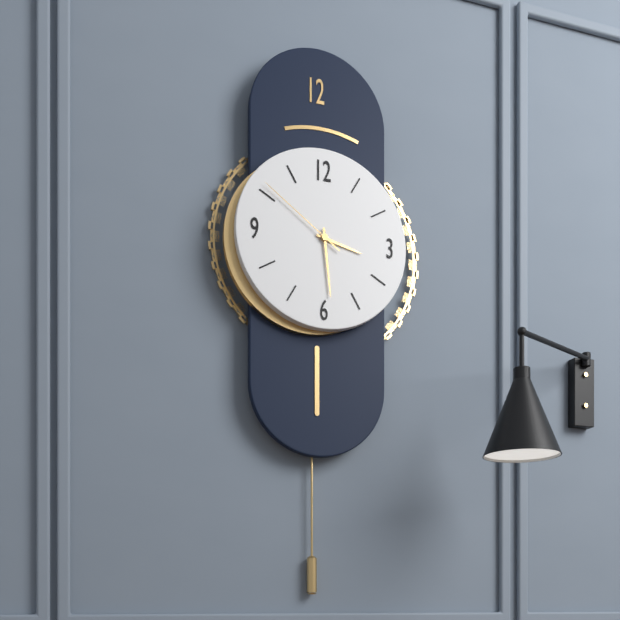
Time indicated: 3,29,51
